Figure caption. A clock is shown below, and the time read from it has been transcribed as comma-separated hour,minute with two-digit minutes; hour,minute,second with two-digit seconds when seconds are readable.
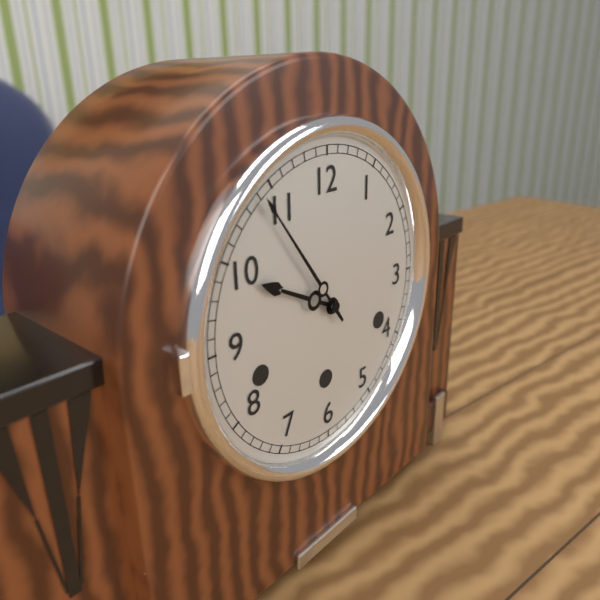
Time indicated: 9,54
